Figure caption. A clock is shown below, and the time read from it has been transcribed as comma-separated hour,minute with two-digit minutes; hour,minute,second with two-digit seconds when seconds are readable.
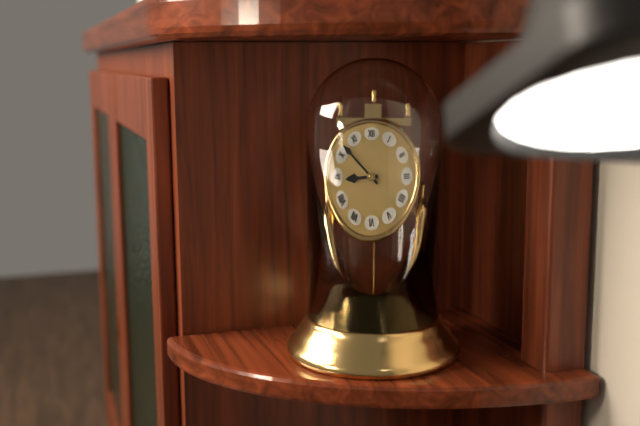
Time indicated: 8,52
